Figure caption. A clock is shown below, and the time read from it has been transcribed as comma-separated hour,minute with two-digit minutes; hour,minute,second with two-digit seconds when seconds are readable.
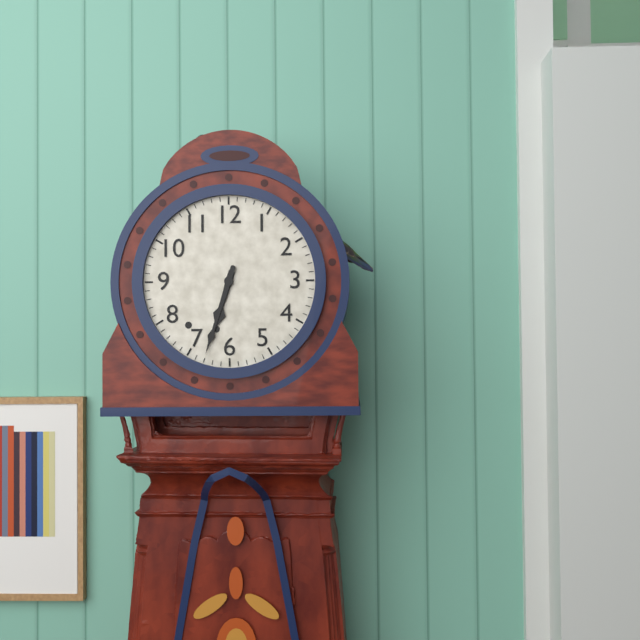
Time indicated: 6,33
